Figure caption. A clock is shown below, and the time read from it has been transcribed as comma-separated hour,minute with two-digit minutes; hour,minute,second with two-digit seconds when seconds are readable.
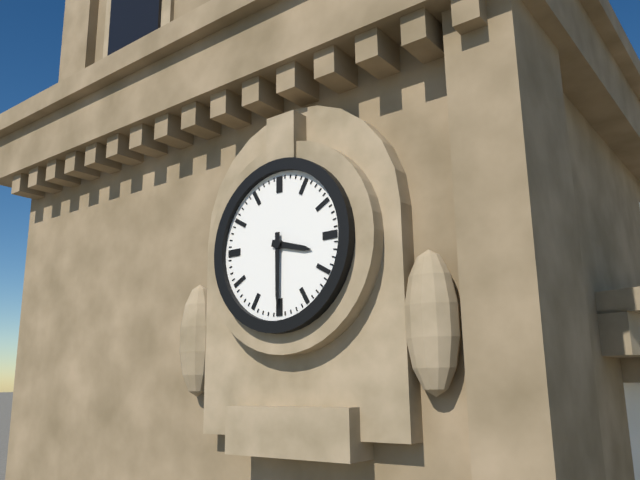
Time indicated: 3,30
